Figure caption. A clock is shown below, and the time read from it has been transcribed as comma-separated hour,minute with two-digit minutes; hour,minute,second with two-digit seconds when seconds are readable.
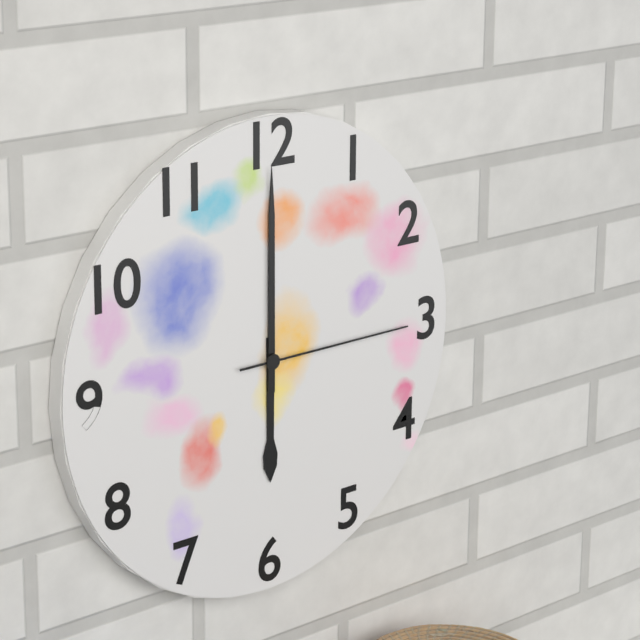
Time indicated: 6,00,15
